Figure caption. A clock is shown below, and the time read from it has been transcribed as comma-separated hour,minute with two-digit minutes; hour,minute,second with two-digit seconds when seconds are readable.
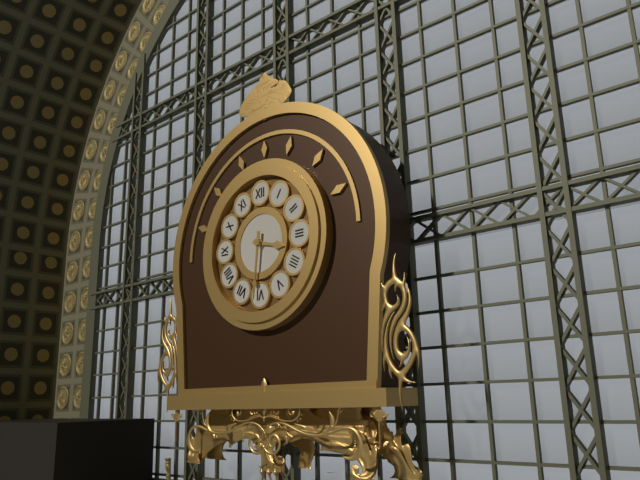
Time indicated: 3,31
